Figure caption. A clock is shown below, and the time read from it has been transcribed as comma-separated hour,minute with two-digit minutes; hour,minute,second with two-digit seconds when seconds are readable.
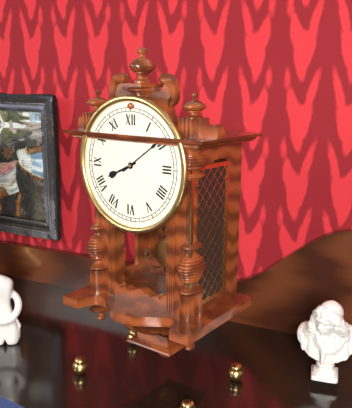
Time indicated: 8,09
